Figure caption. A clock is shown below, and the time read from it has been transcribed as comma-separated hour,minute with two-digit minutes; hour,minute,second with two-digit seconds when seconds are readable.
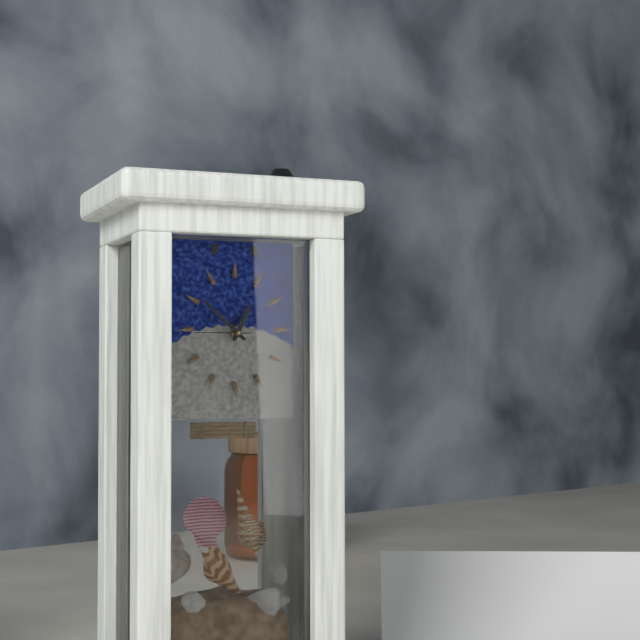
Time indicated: 12,52,45
